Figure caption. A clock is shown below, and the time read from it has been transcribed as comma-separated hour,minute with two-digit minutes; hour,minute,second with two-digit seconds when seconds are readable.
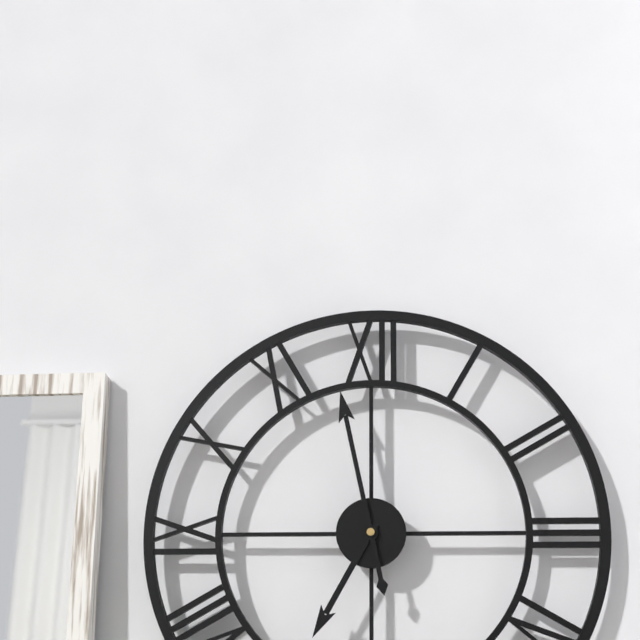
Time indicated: 6,58
